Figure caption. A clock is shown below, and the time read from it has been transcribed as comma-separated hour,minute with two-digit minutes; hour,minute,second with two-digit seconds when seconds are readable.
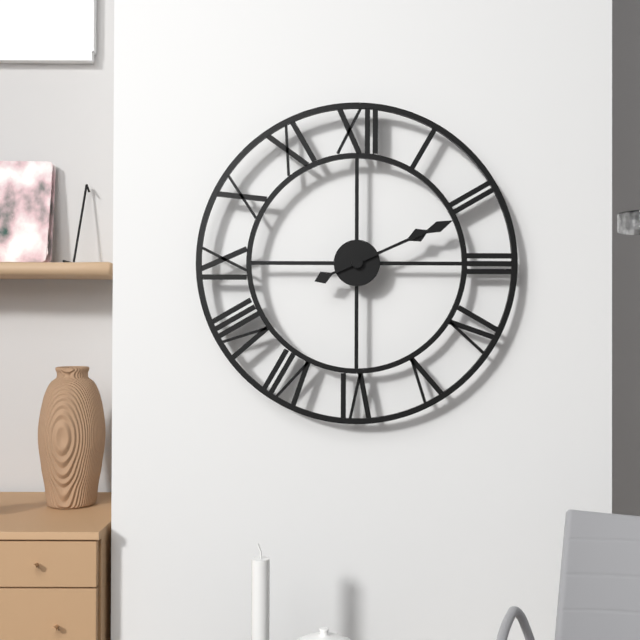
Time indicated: 2,11
